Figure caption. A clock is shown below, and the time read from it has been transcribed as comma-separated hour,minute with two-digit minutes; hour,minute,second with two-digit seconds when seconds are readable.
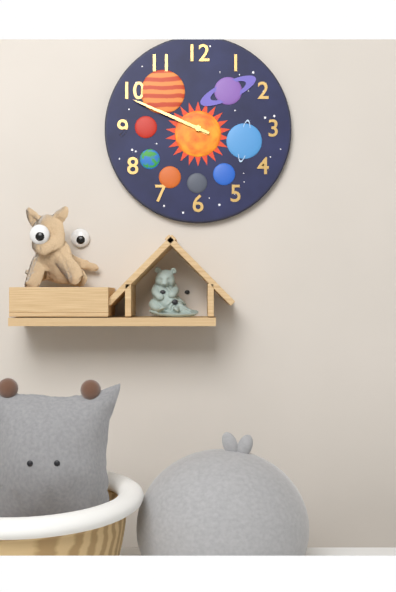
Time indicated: 9,49
